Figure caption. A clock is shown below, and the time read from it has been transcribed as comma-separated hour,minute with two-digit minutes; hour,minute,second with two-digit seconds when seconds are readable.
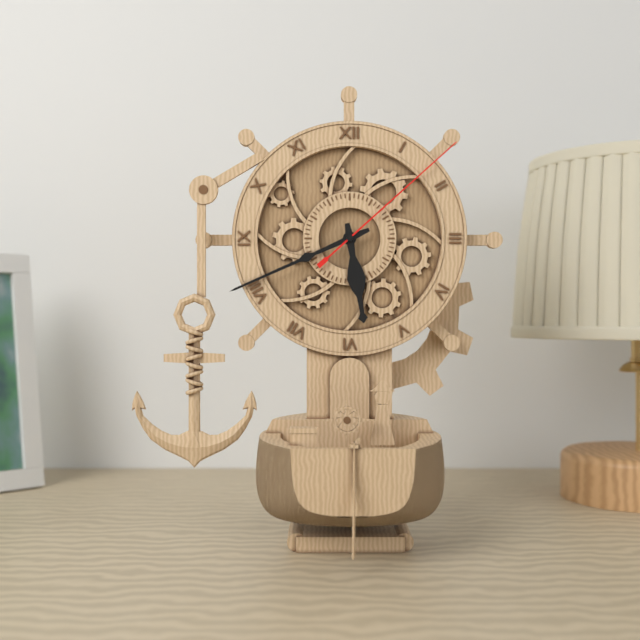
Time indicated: 5,41,08
